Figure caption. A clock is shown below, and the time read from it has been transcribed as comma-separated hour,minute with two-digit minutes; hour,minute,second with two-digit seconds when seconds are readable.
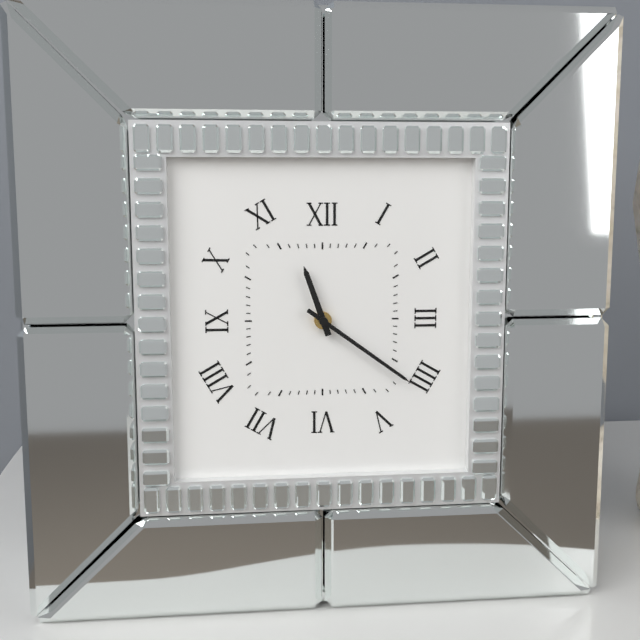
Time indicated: 11,21
